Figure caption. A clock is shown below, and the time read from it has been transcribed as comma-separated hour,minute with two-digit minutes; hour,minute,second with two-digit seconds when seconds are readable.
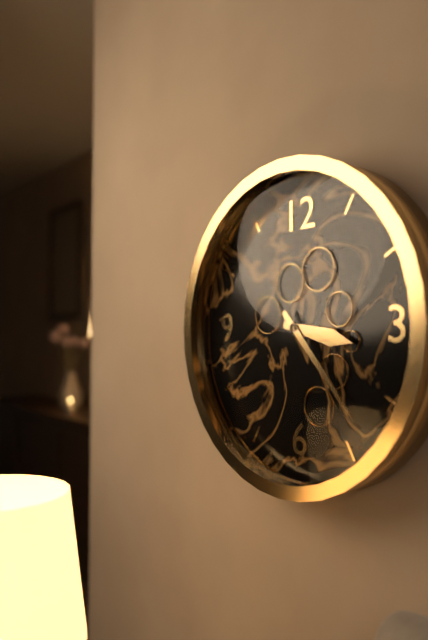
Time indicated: 3,23
